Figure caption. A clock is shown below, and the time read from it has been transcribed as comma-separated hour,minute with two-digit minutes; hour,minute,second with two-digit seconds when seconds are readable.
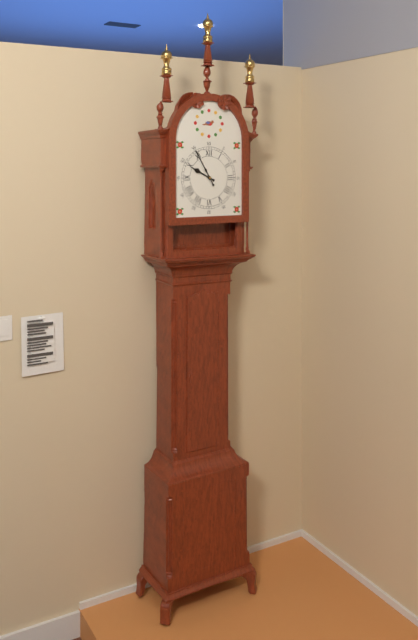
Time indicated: 9,55
